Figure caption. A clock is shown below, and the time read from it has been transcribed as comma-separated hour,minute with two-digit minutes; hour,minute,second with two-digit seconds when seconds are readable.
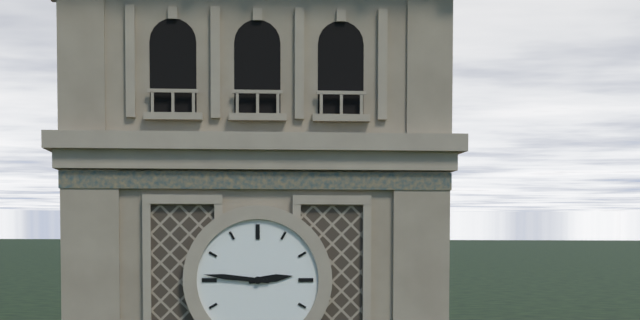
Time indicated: 2,46
